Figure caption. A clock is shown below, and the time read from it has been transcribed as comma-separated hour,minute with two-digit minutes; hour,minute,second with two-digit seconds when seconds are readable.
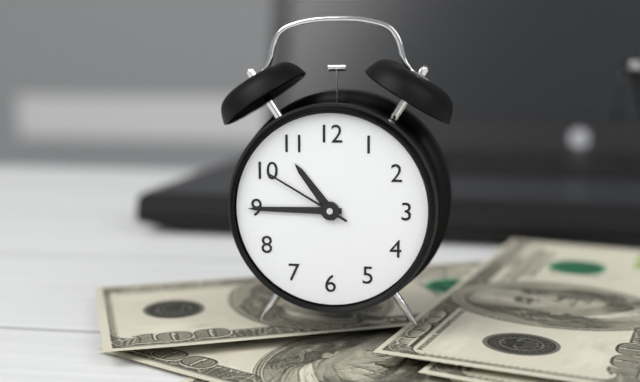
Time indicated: 10,45,50
